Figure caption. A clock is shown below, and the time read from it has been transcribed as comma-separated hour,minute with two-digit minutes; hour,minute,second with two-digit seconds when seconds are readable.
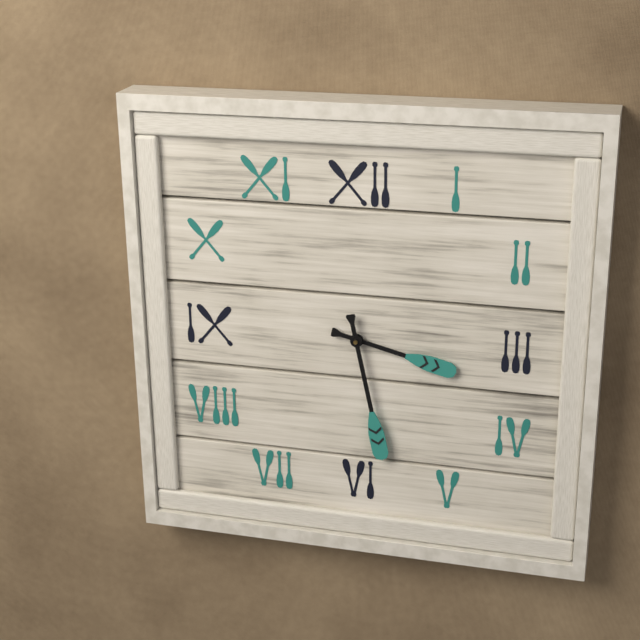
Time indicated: 3,28
